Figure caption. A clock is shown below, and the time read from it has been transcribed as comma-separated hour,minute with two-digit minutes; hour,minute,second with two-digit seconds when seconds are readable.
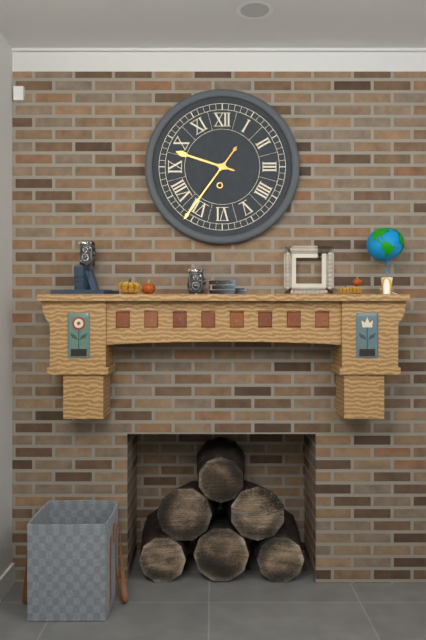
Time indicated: 9,36
